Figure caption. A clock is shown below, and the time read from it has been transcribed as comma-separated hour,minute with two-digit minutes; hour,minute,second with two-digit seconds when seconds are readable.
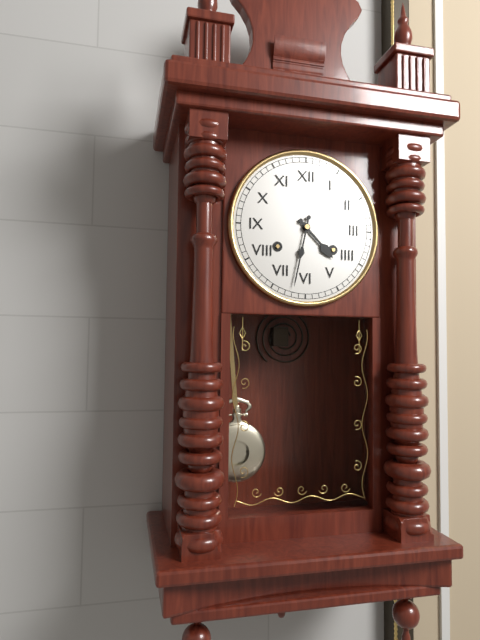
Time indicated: 4,32
